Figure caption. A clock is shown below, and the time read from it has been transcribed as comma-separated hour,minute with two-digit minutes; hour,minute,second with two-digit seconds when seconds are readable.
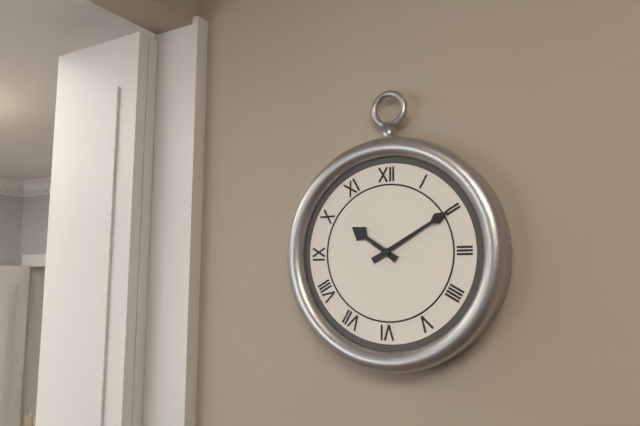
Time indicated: 10,10
